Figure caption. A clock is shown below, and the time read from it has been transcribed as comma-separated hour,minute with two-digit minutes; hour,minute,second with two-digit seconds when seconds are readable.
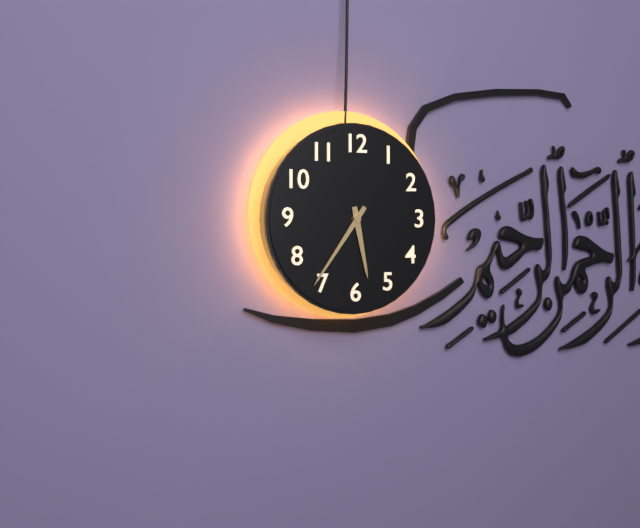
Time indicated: 5,36
